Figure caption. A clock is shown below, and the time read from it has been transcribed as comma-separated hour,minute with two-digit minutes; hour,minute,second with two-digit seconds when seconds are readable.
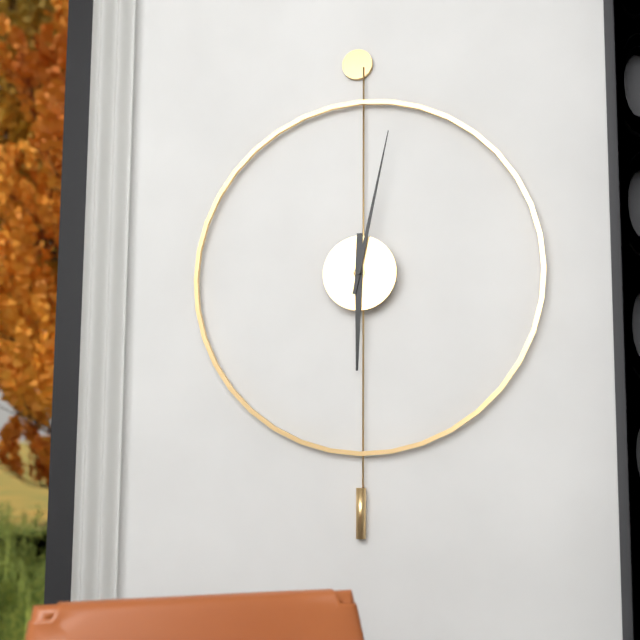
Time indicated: 6,02
